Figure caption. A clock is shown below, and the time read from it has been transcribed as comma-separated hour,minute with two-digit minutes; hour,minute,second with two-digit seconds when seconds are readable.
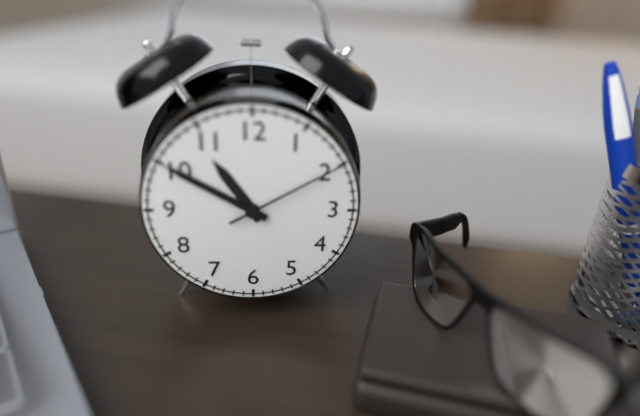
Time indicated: 10,50,10
